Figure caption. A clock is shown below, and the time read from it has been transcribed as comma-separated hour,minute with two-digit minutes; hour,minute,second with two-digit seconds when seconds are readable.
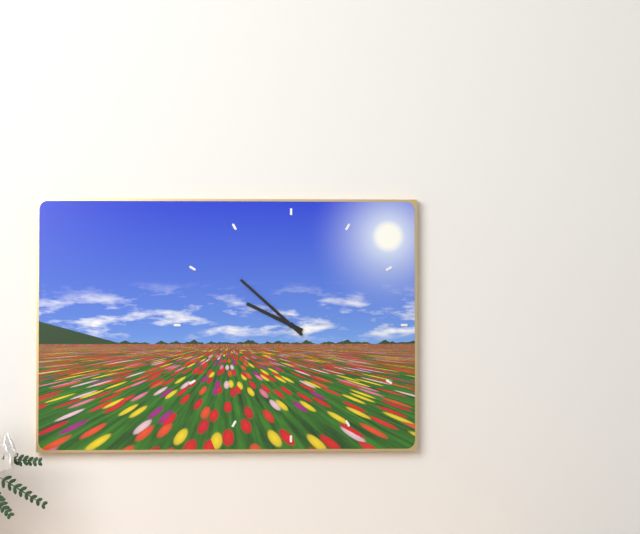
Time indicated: 9,52
